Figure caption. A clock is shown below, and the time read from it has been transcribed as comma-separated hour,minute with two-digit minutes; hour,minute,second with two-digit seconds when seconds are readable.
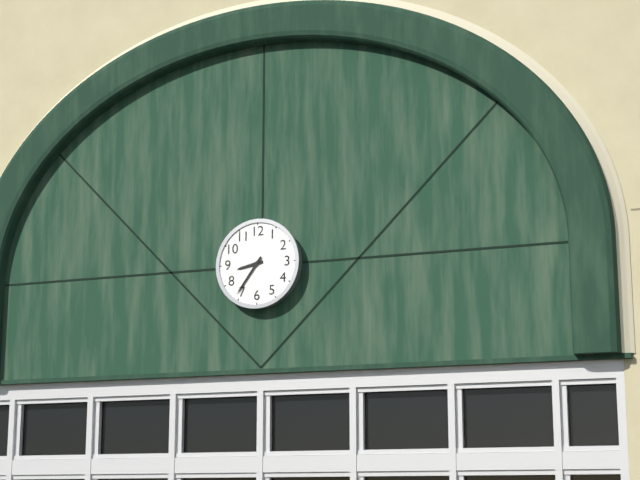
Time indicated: 8,36
